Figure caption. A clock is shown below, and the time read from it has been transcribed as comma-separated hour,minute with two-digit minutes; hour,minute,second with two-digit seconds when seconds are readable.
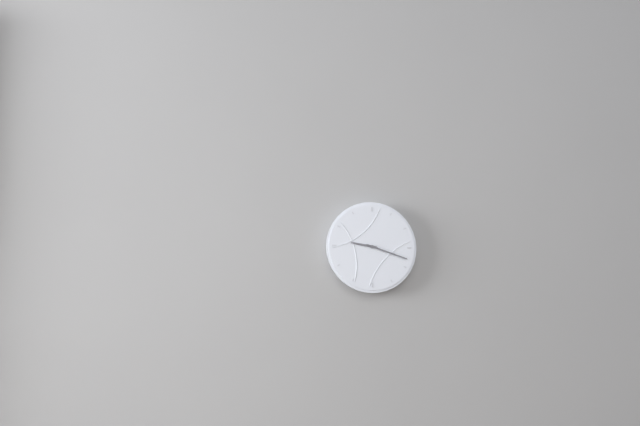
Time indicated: 9,18
